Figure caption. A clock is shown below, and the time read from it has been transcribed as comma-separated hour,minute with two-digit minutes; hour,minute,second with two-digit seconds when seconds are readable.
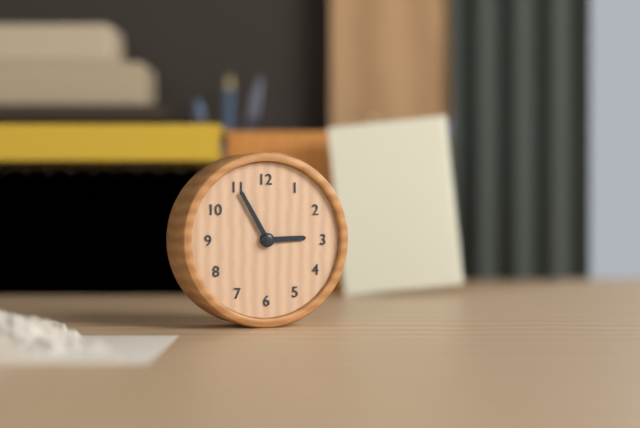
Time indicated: 2,55
